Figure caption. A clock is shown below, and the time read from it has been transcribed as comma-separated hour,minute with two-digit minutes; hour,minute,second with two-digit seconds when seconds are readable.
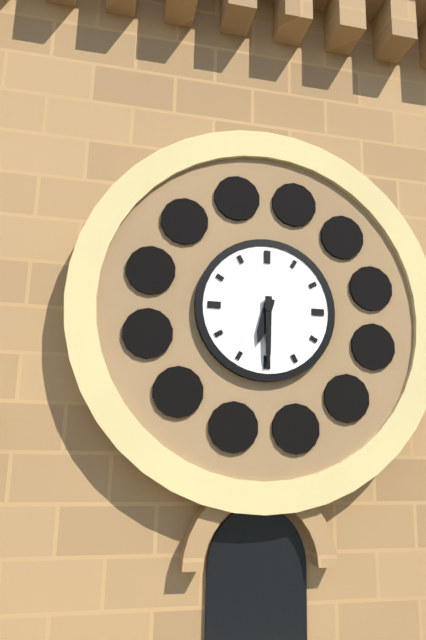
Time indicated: 6,30
